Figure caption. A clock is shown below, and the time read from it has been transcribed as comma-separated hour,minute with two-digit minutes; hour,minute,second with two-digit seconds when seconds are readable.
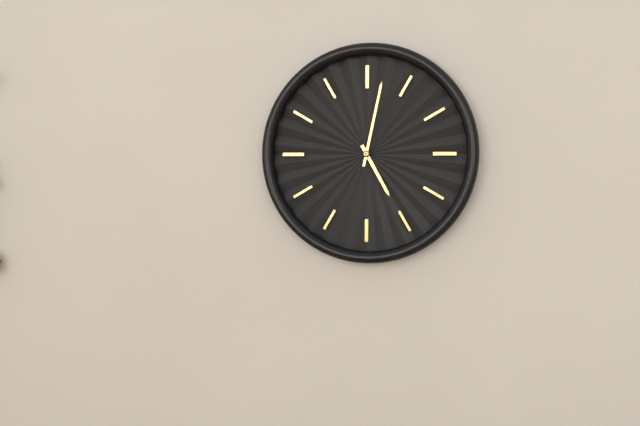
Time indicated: 5,02
